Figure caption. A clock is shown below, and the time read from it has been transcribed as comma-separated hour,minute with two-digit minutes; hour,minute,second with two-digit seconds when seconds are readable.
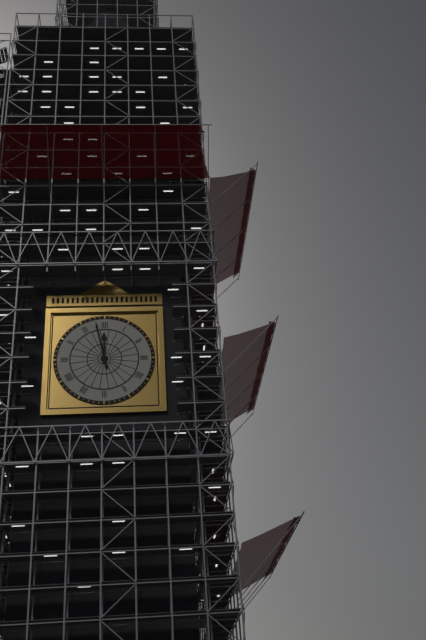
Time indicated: 11,58
